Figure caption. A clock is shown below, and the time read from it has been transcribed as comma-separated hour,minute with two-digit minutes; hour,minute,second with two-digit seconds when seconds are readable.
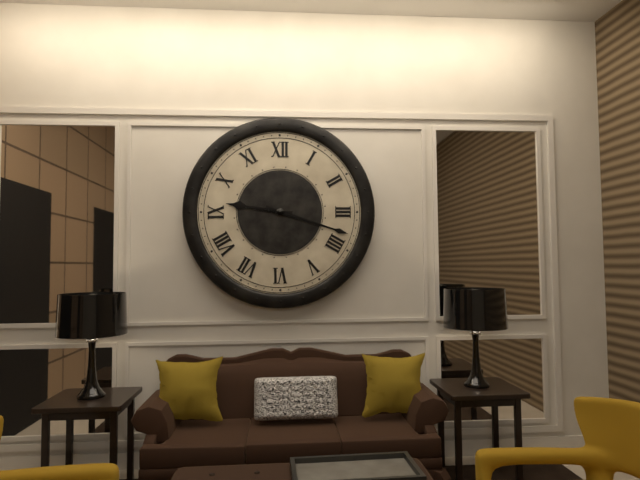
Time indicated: 9,18
